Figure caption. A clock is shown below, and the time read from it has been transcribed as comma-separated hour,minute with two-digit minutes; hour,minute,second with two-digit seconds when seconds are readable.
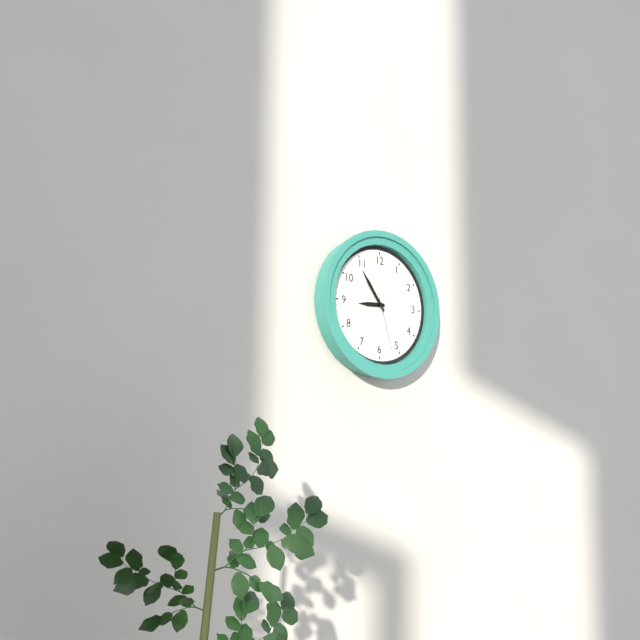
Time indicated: 8,54,27
